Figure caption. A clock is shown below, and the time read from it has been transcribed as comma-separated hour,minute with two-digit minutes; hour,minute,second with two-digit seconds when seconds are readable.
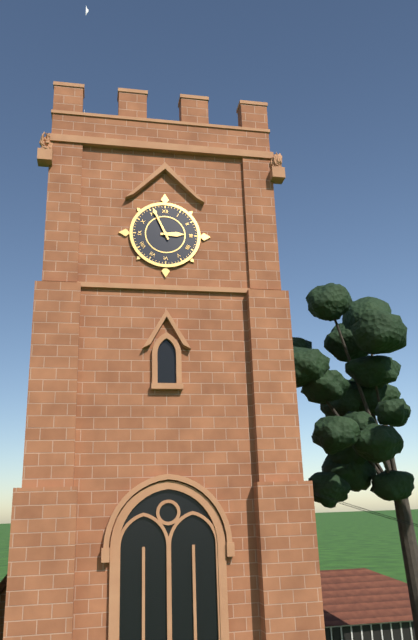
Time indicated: 2,56
